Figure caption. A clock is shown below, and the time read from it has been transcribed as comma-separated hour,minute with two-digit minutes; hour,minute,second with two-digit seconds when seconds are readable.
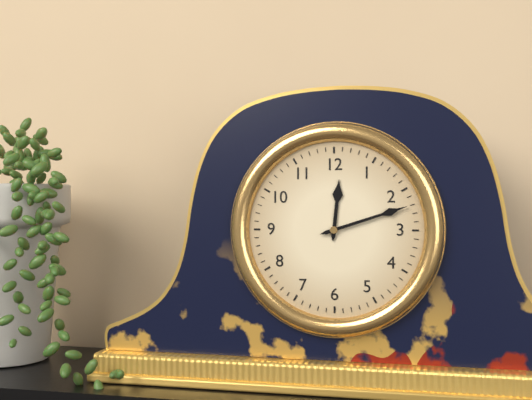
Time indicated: 12,12
